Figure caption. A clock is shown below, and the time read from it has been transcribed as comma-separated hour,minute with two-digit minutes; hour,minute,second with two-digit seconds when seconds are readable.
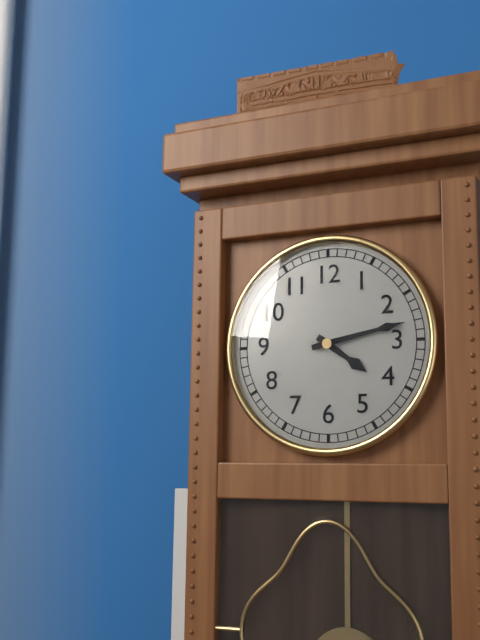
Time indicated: 4,13
